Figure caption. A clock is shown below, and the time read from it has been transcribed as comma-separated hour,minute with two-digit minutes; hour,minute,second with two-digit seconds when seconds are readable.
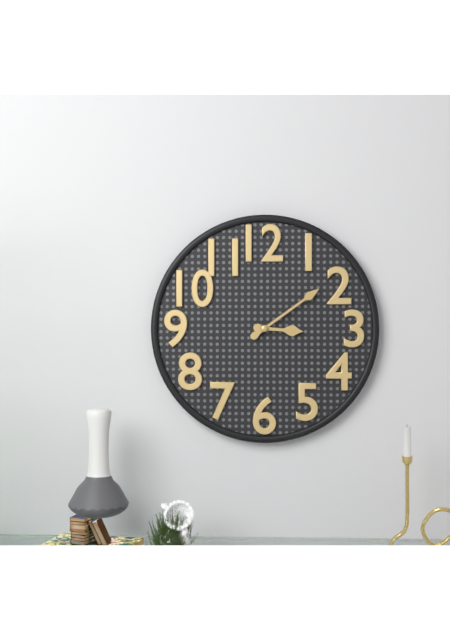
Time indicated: 3,09
